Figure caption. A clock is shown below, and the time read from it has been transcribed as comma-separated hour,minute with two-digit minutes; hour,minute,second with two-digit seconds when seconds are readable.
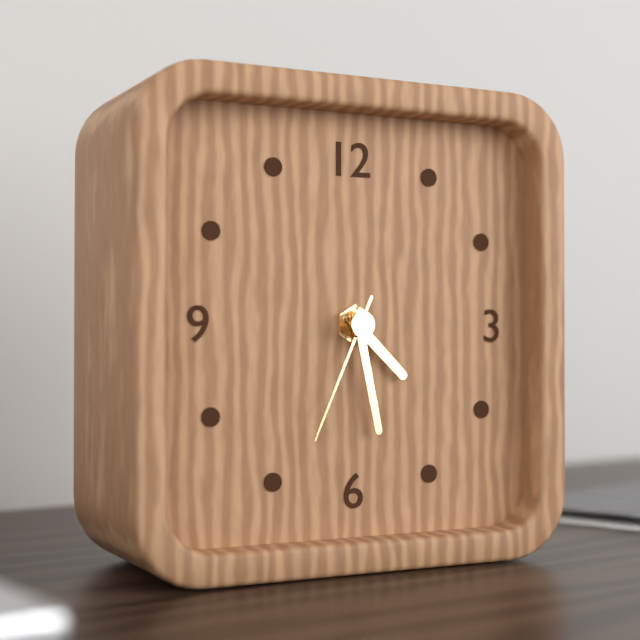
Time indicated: 4,28,34
